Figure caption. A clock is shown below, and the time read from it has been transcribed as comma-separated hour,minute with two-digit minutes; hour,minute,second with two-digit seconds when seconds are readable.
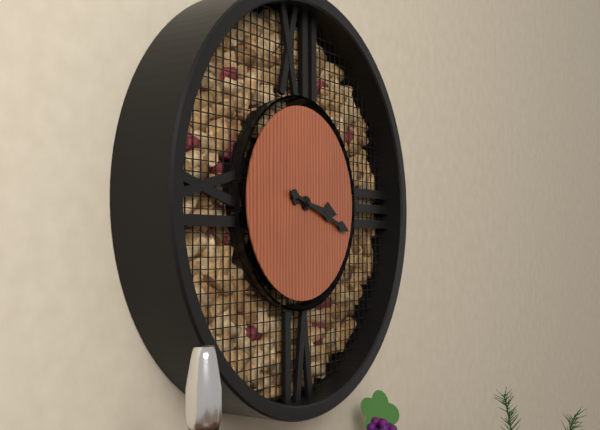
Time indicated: 3,18
